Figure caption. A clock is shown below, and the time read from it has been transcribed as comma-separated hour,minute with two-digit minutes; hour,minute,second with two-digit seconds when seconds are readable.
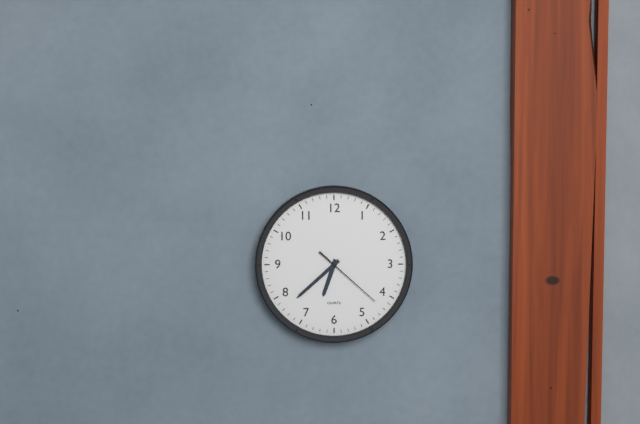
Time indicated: 6,38,22
